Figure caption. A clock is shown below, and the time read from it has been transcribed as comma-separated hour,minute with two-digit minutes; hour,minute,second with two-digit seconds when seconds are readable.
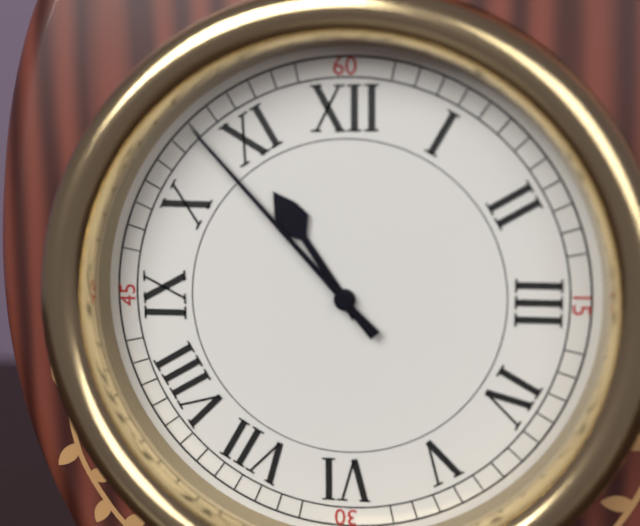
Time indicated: 10,53
